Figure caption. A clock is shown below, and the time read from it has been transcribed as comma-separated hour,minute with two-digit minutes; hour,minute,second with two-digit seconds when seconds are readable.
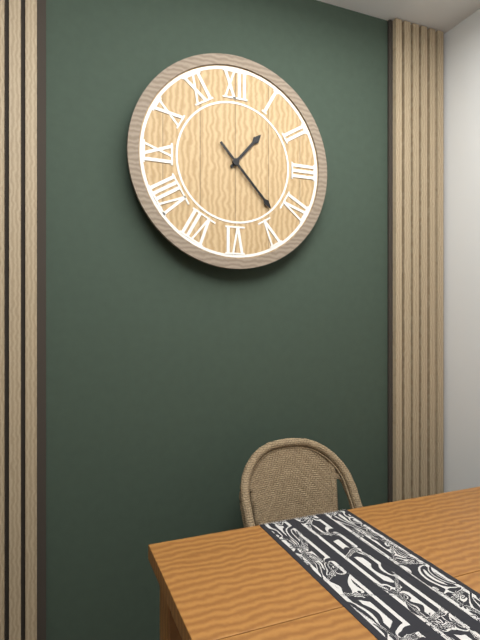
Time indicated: 1,23
